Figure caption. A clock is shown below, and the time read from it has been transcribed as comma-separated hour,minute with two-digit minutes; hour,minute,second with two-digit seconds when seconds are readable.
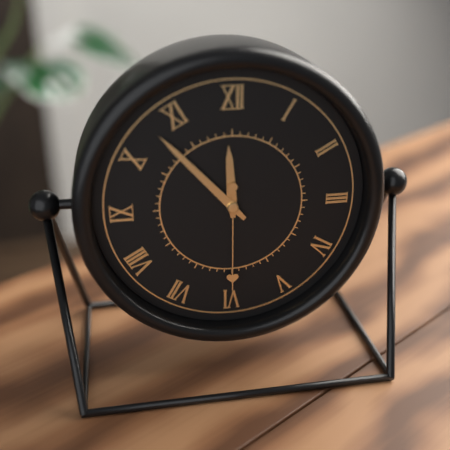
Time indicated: 11,53,30
